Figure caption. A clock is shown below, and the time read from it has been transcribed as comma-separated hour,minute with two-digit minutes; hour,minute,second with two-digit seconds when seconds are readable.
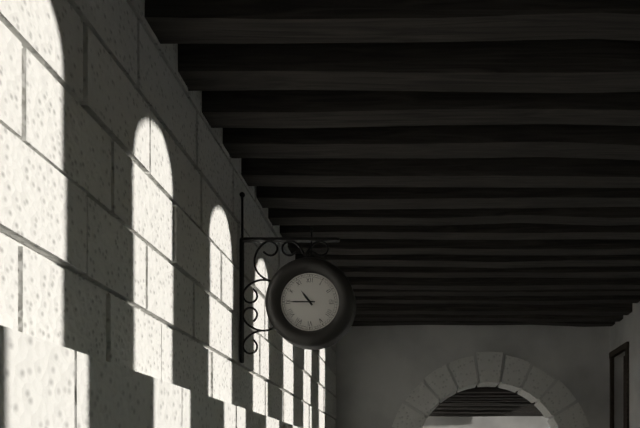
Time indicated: 10,45
